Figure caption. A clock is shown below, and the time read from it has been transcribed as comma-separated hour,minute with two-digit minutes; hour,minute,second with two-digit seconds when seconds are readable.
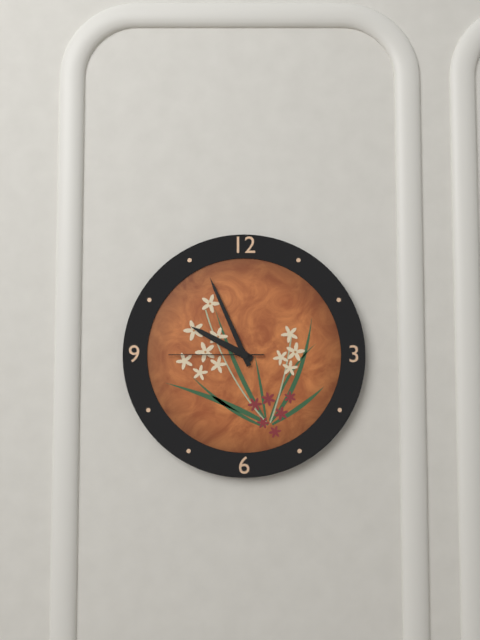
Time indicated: 9,56,45
